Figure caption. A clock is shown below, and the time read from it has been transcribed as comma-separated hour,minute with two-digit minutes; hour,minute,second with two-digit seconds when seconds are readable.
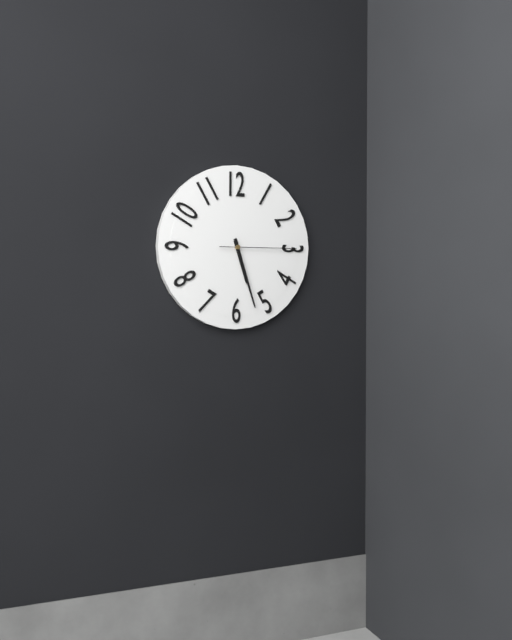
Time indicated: 5,27,15
